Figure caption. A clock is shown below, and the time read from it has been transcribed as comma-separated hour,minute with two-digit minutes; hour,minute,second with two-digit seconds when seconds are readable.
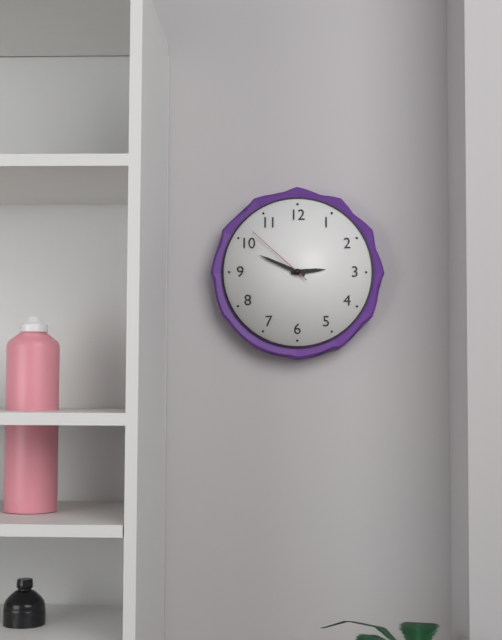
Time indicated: 2,49,52
